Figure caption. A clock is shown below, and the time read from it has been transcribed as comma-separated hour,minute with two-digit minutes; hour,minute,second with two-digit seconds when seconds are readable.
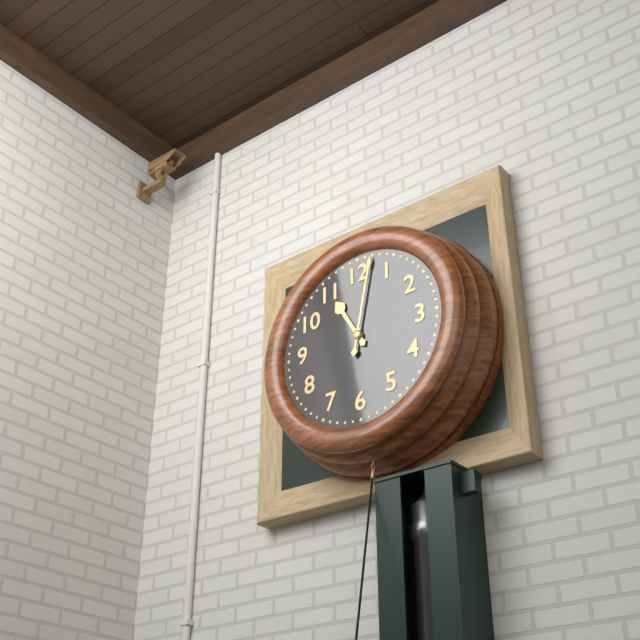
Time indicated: 11,02
